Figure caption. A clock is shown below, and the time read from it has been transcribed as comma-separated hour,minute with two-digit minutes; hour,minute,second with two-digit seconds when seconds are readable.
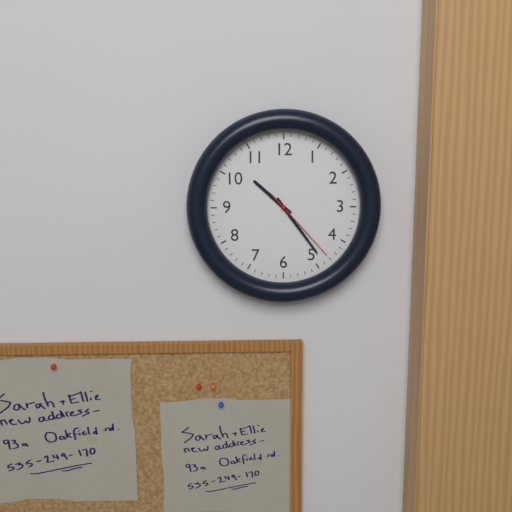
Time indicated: 10,24,23
